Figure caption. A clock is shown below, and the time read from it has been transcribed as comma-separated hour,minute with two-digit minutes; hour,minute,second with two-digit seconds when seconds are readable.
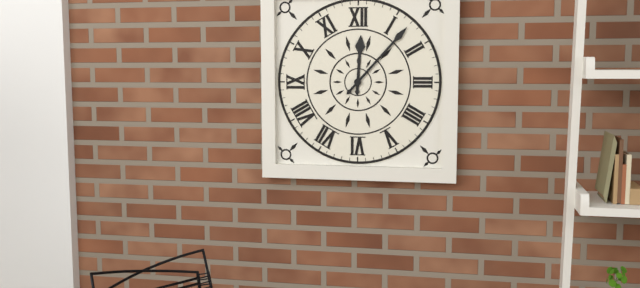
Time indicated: 12,07
